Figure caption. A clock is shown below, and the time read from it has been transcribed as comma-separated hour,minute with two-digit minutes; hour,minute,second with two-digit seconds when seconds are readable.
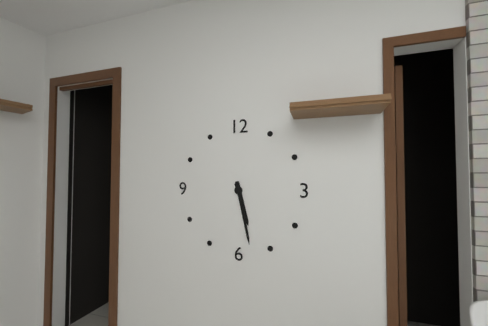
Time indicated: 5,28
